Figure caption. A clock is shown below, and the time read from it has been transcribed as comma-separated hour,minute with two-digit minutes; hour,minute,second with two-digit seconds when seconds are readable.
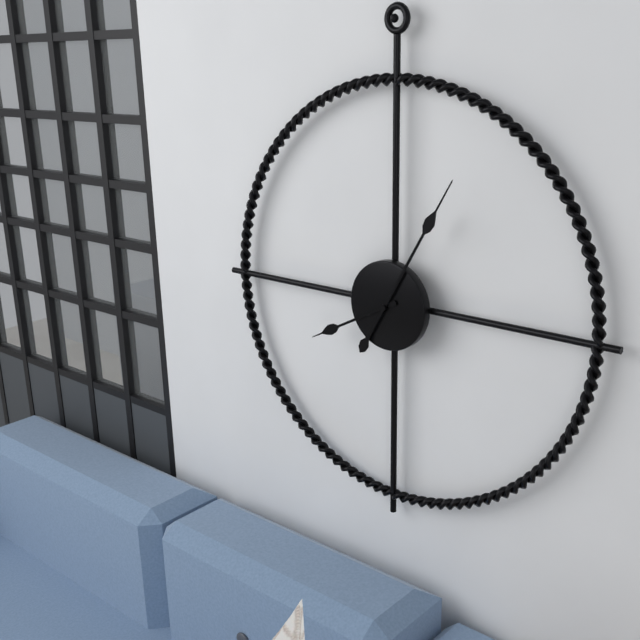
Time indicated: 8,05
